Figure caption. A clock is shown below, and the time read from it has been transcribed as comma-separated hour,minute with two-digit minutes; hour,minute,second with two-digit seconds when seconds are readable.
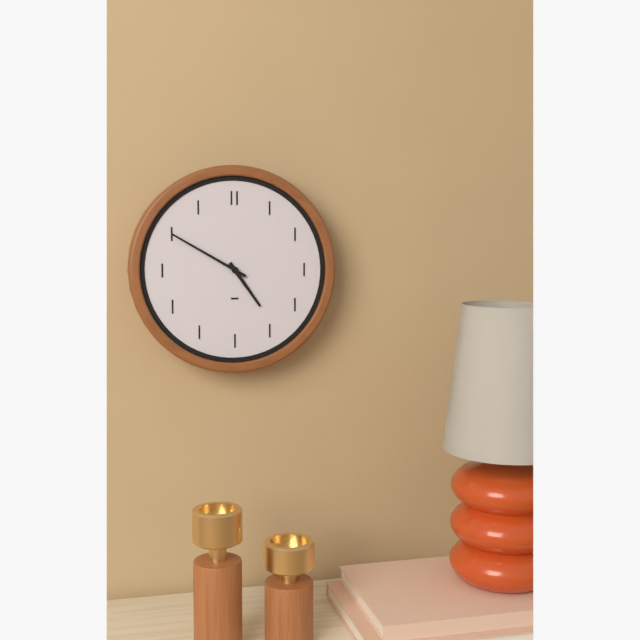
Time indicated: 4,50
